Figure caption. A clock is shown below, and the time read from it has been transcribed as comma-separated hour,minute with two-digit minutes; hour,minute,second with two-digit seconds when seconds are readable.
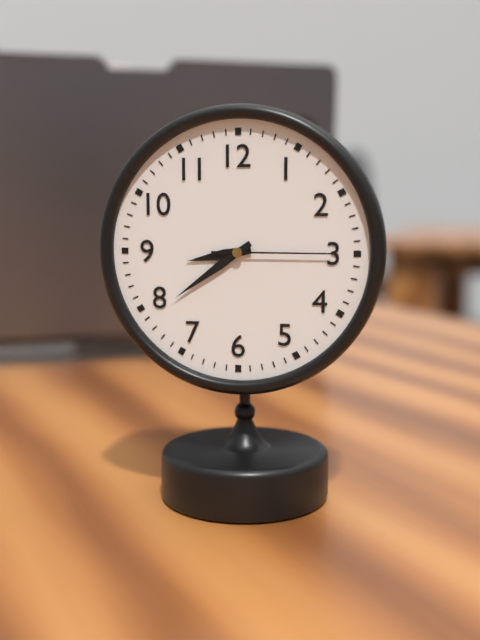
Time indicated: 8,39,15
